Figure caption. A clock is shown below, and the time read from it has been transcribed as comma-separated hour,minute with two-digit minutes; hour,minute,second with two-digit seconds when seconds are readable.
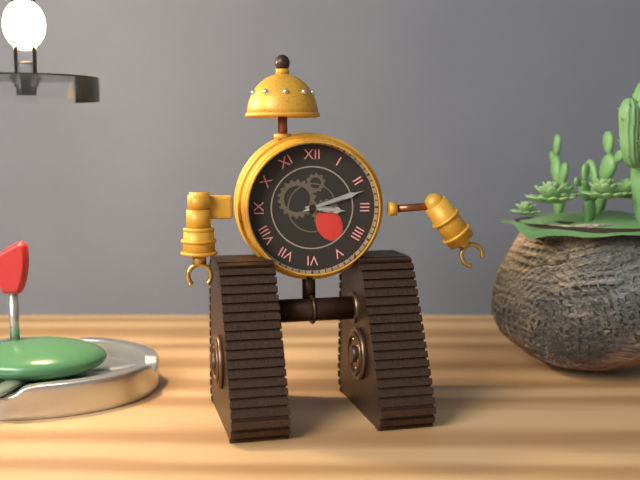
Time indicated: 3,12
